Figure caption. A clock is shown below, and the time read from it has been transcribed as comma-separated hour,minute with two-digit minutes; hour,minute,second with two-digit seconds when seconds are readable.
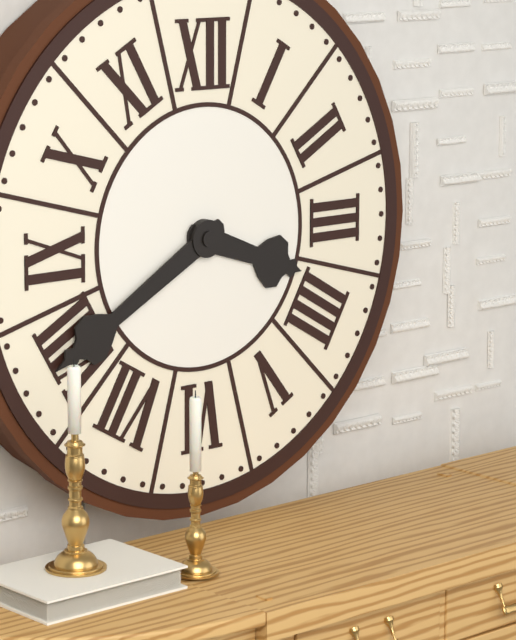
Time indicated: 3,40
